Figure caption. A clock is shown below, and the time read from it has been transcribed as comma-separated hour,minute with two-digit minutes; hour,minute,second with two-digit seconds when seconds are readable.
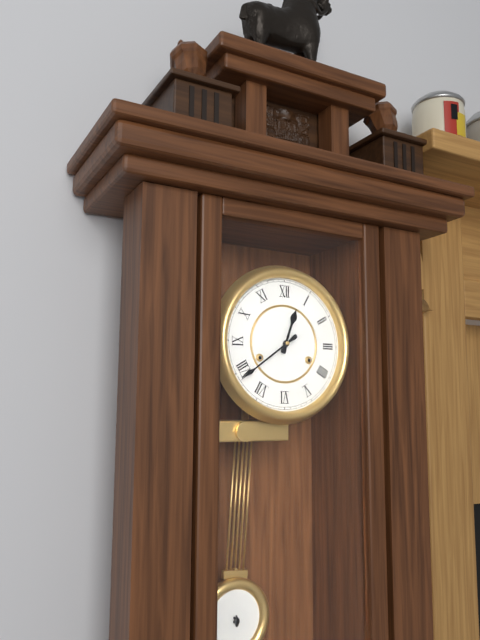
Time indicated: 12,39
